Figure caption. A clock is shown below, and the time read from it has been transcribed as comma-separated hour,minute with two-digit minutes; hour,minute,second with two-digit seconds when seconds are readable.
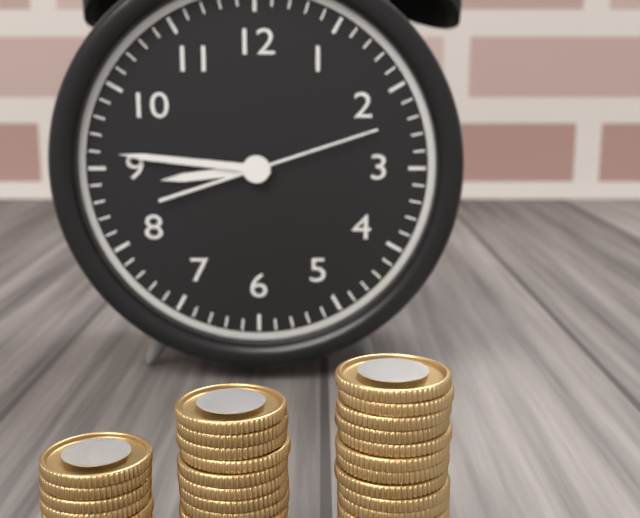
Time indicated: 8,46,12
